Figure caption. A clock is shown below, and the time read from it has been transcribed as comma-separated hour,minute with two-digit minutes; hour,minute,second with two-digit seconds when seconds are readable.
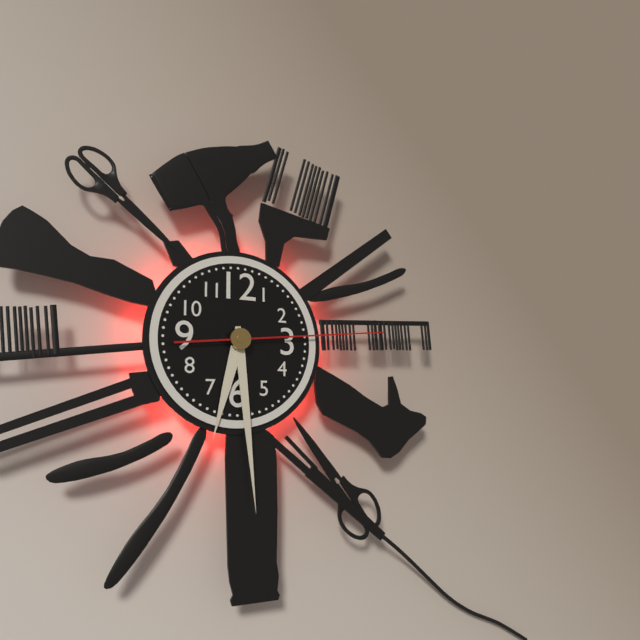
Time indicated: 6,29,14
